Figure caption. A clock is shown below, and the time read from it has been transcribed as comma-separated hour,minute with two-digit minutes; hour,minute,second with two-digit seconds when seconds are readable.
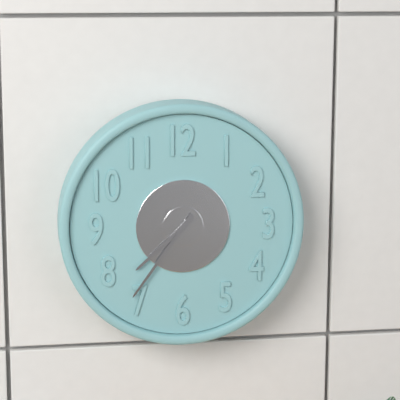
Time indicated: 7,36
